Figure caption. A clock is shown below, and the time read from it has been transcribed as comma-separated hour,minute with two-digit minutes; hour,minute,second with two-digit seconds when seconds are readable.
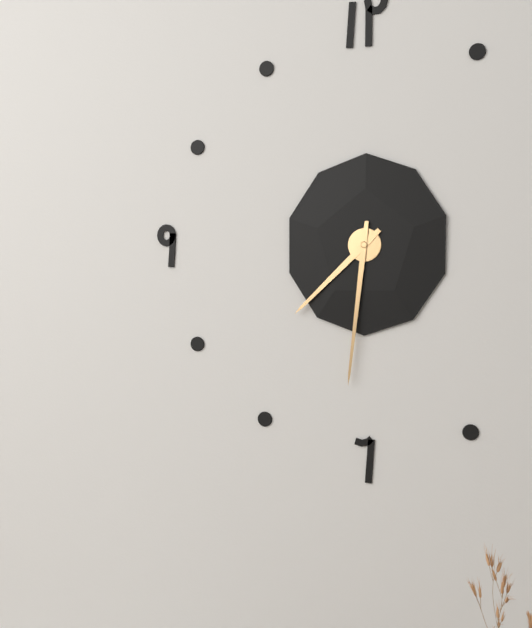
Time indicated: 7,31
